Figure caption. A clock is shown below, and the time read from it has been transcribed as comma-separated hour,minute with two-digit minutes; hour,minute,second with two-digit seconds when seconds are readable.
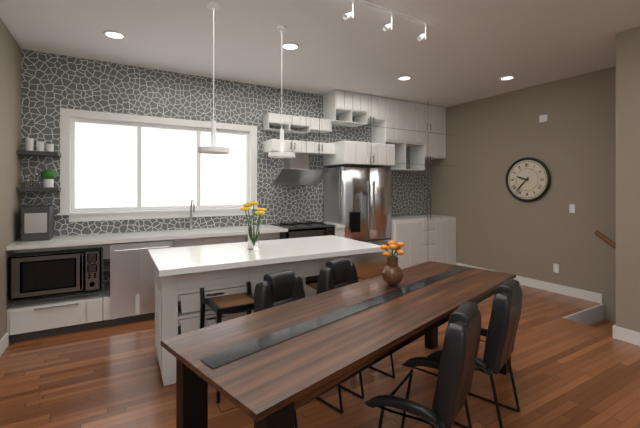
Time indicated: 9,37
